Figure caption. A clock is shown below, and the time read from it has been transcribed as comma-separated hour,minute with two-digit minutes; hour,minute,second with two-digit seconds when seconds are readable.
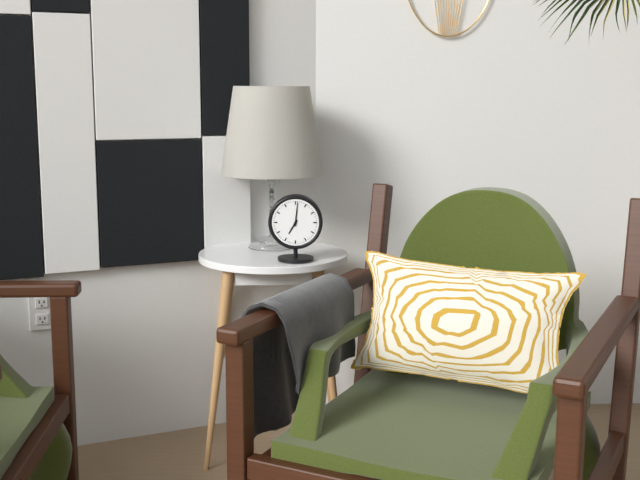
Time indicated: 7,01
